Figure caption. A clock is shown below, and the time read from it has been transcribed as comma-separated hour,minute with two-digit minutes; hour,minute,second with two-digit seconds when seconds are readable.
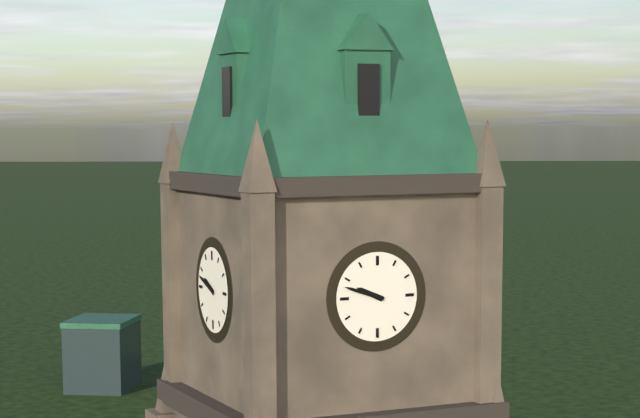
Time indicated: 9,48
